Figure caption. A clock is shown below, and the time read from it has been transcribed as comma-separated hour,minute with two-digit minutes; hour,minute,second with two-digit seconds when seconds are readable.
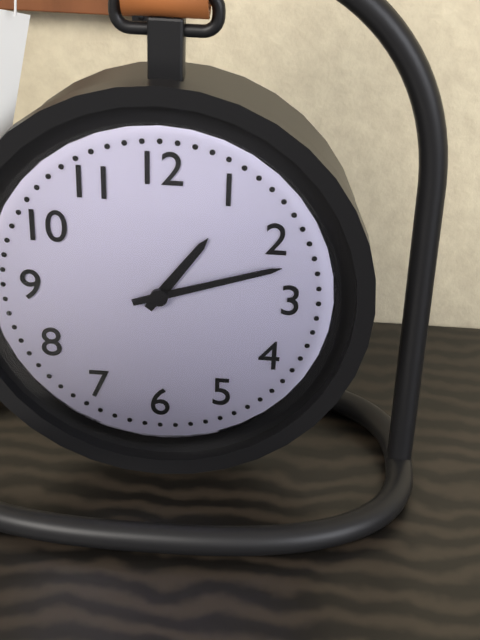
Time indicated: 1,12
